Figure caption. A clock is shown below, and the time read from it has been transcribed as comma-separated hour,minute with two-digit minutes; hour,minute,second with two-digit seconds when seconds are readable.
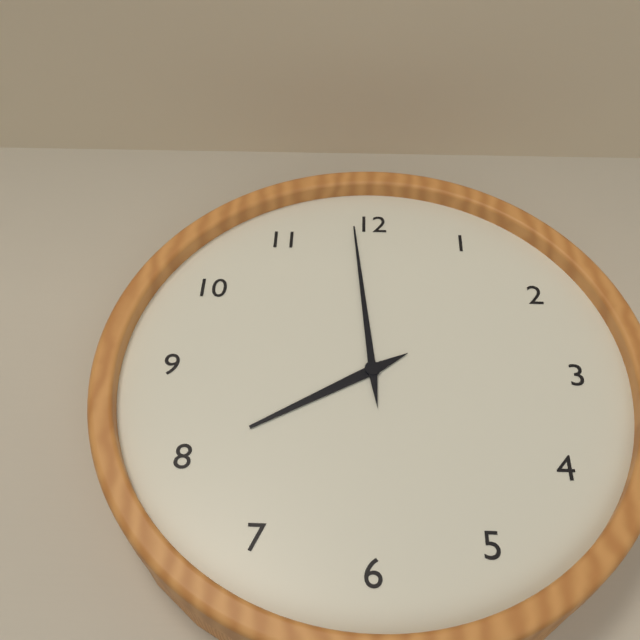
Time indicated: 7,59
